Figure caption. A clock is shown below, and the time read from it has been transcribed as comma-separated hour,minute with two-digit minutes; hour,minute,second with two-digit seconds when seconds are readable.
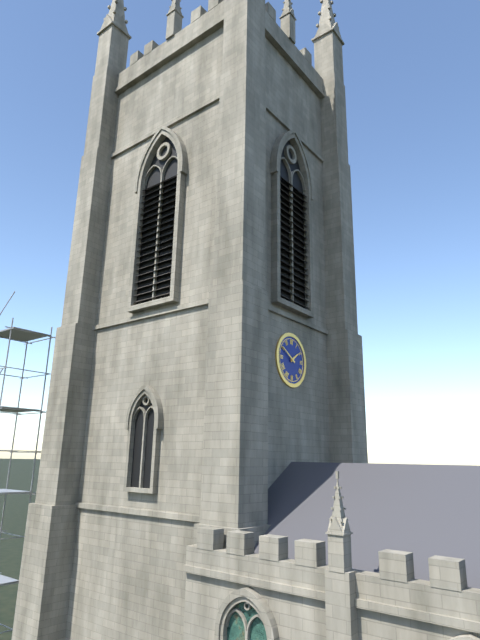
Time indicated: 1,50
